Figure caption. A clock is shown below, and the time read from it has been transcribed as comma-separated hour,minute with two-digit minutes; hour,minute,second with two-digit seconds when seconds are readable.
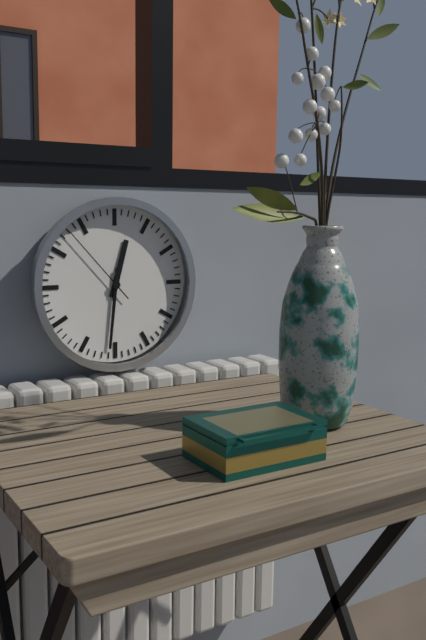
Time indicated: 12,31,53
